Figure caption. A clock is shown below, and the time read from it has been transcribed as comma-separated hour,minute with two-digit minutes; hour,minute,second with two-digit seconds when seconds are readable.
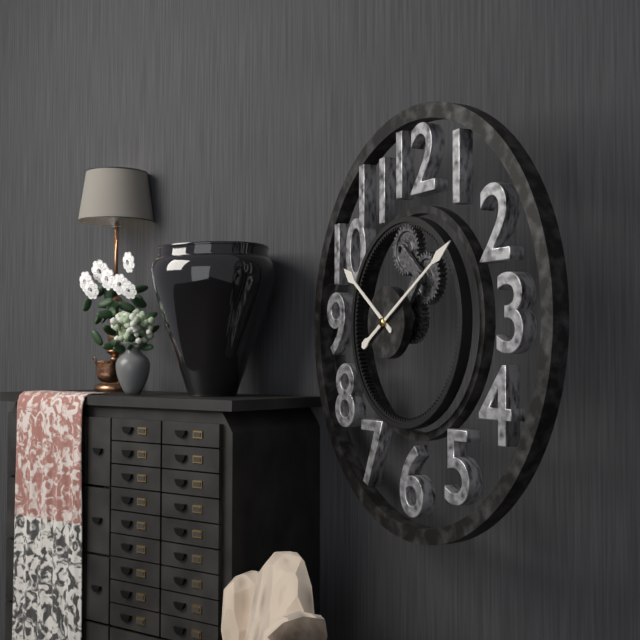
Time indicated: 10,10
